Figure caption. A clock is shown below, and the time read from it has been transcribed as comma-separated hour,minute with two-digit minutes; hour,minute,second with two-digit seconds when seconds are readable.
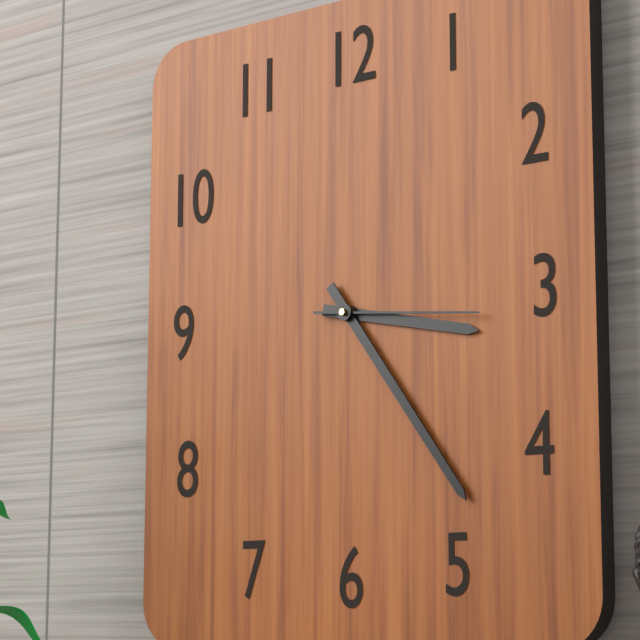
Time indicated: 3,24,16
